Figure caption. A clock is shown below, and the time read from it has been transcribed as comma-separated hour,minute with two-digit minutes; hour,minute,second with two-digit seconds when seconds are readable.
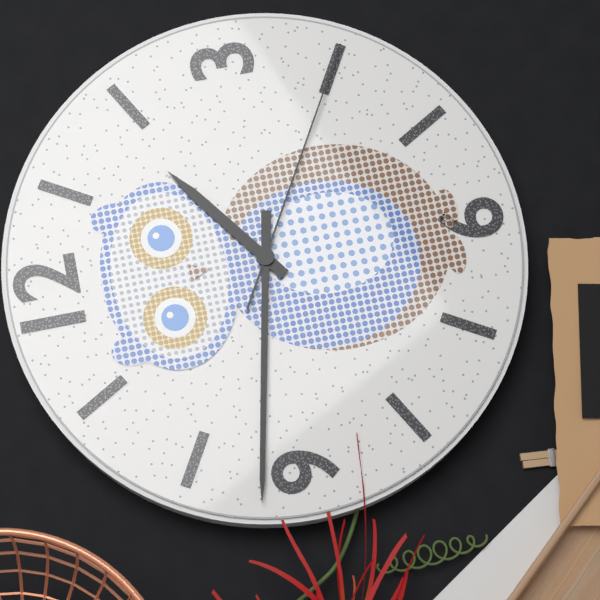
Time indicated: 1,47,20
